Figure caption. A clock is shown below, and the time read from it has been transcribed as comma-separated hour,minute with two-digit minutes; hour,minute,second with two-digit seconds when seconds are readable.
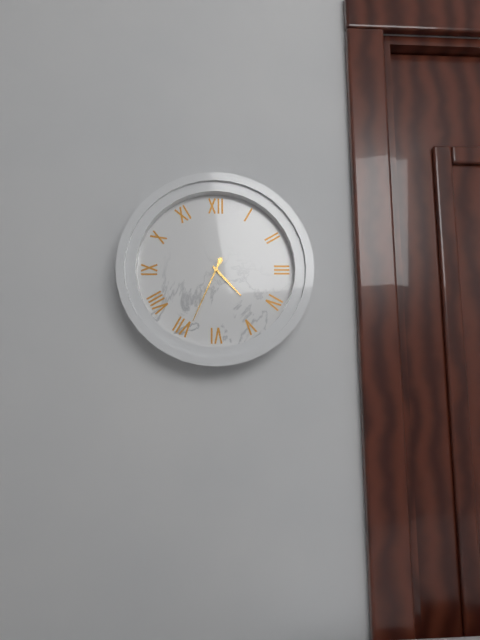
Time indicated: 4,34
